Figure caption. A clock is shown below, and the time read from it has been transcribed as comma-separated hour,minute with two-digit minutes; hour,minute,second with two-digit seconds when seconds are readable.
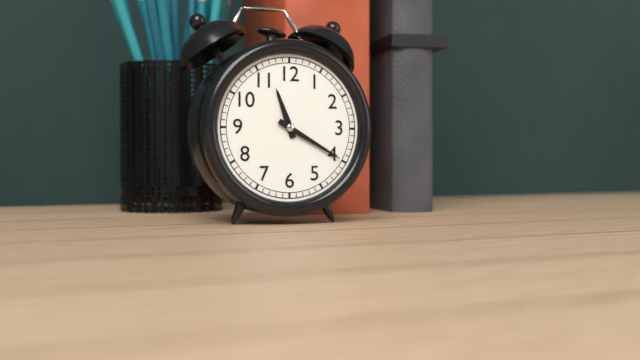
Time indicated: 11,20
